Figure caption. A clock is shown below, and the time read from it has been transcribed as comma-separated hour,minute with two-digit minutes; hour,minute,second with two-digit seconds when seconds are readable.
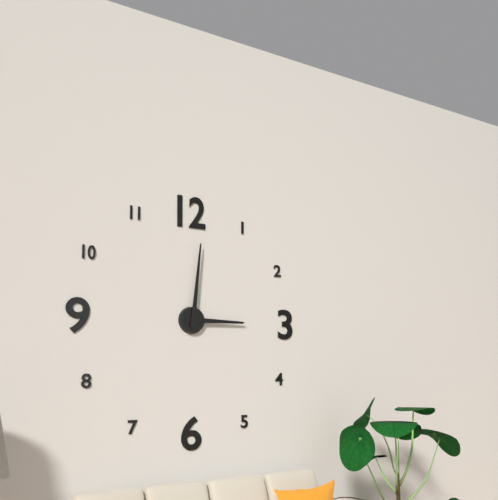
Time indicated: 3,01
